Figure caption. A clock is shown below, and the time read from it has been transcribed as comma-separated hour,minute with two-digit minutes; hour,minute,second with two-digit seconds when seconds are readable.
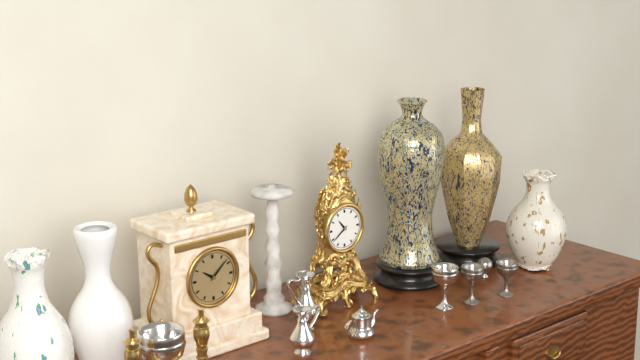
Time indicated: 10,39
